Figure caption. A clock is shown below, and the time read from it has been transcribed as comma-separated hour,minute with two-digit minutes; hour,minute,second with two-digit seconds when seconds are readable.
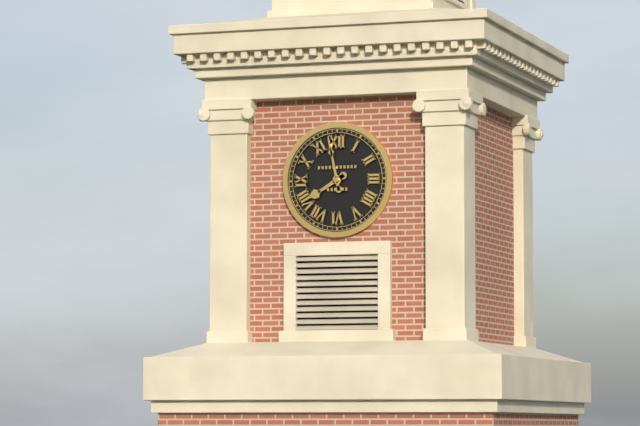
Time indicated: 7,58
